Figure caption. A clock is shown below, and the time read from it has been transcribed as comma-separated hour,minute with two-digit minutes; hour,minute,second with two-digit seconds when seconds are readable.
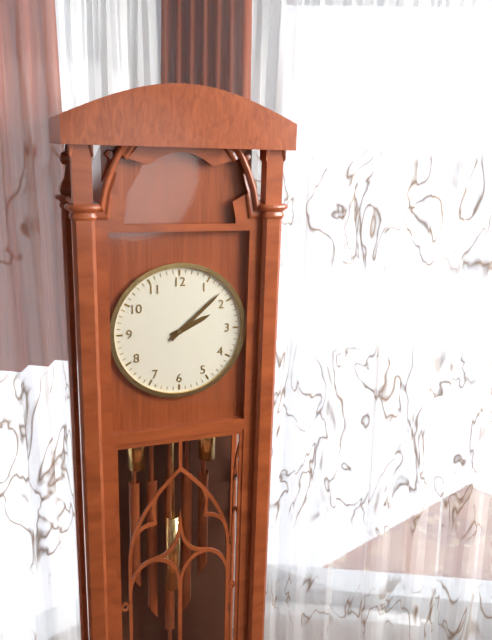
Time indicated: 2,08
